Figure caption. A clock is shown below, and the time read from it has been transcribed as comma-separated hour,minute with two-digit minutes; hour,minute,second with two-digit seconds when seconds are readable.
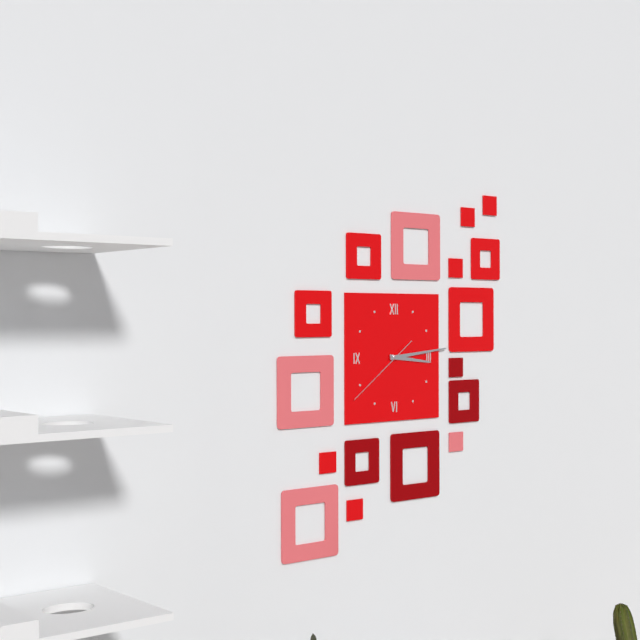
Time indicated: 3,14,39
